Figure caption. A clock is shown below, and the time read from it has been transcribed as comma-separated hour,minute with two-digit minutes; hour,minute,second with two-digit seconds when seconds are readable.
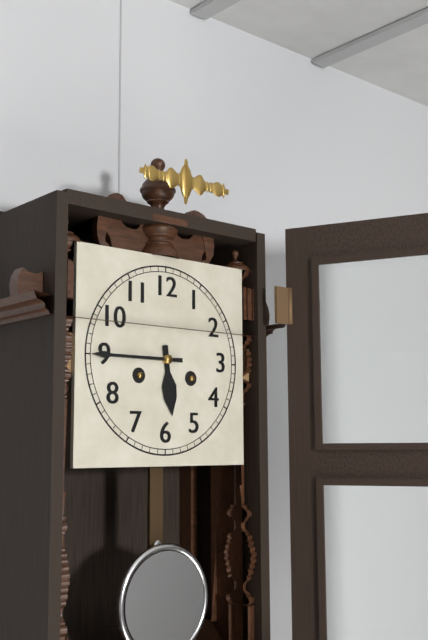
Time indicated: 5,45
